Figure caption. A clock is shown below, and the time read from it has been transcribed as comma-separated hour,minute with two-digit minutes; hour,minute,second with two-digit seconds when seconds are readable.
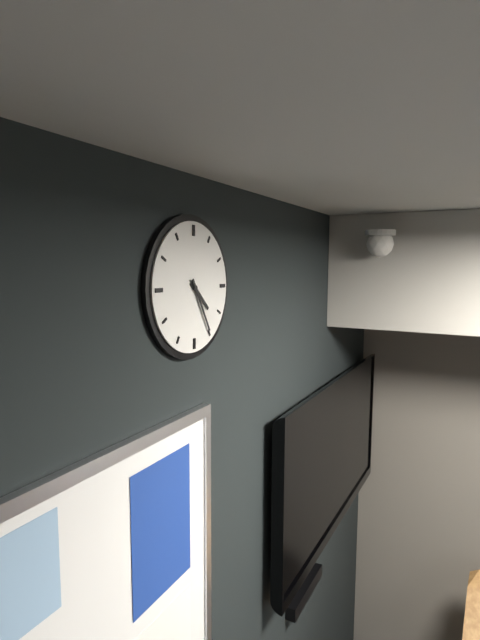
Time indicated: 4,25
